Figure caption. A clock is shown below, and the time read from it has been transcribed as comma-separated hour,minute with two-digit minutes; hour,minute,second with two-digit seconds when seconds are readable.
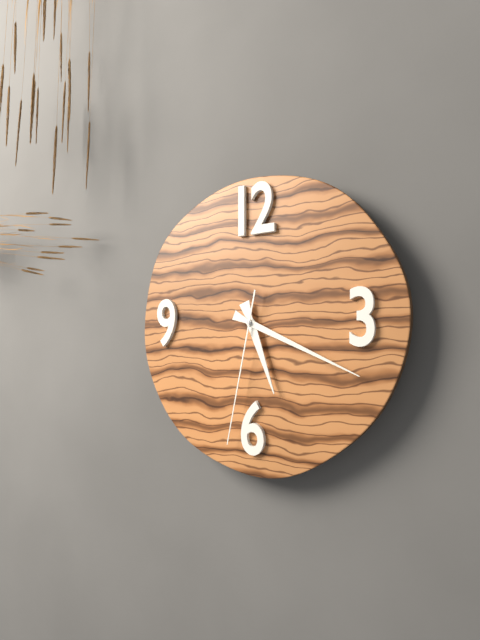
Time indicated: 5,19,32
